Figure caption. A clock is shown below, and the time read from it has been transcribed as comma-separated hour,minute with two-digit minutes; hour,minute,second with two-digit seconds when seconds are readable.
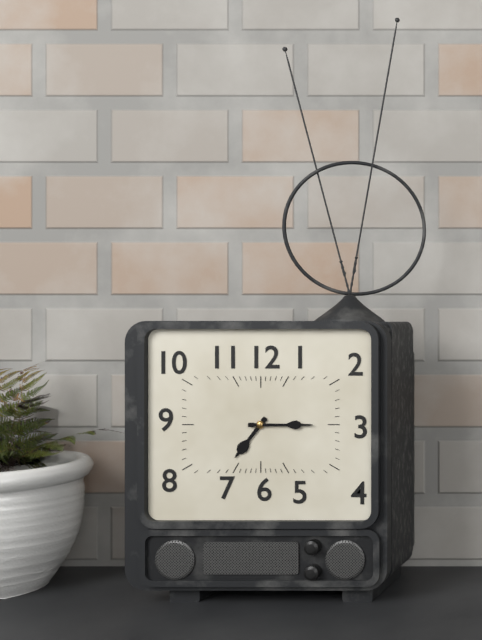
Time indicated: 7,15
